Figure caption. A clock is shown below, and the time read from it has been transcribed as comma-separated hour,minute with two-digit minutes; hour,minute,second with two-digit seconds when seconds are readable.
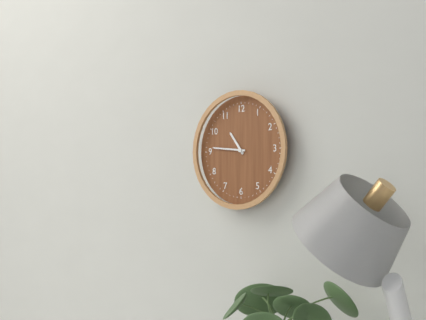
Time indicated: 10,46
